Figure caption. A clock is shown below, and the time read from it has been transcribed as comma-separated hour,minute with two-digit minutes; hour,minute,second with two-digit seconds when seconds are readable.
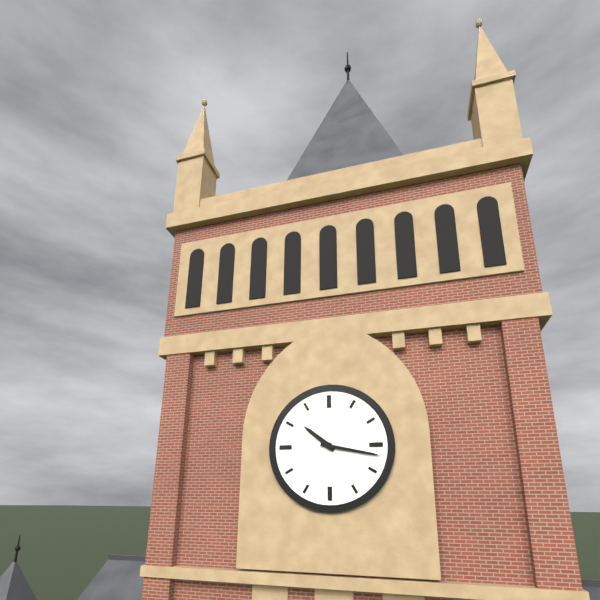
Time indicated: 10,17
